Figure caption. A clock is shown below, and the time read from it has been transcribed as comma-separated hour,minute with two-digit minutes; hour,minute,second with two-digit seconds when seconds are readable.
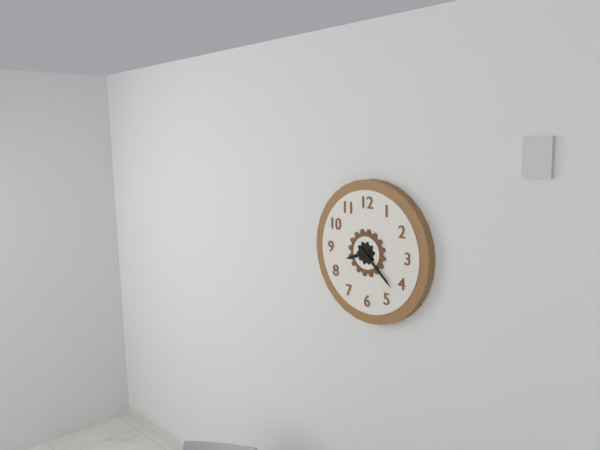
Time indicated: 8,22
